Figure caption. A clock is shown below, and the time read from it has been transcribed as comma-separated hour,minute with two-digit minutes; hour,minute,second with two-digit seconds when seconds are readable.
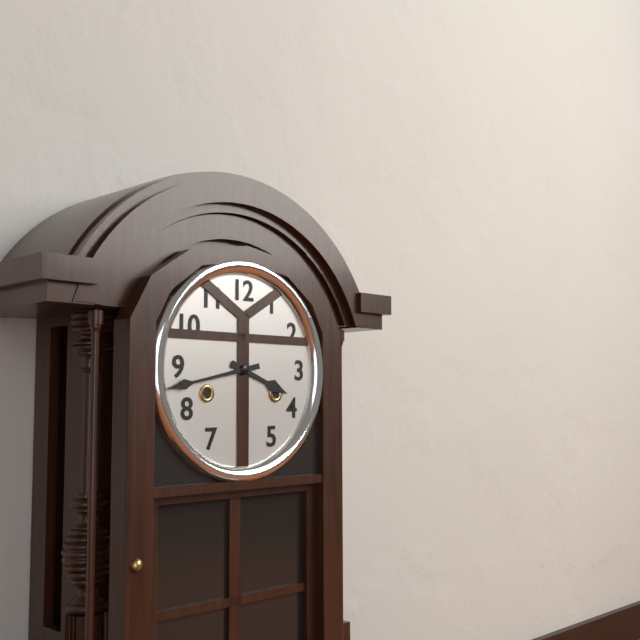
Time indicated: 3,43
